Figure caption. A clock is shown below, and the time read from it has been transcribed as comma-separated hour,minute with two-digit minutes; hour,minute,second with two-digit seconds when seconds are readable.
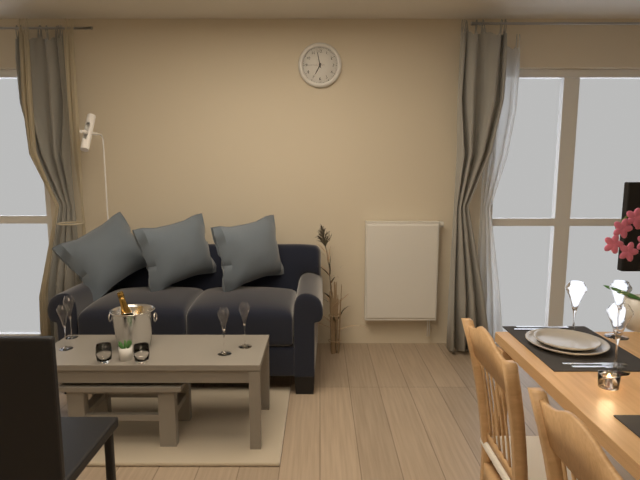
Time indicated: 6,58
